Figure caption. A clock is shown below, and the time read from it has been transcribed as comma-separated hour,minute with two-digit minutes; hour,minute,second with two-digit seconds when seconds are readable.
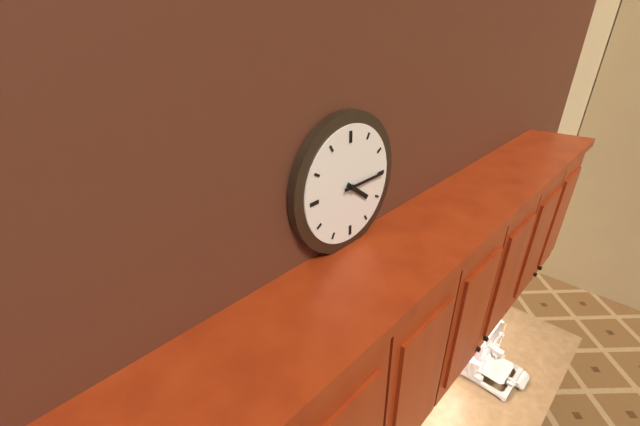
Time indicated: 4,15
